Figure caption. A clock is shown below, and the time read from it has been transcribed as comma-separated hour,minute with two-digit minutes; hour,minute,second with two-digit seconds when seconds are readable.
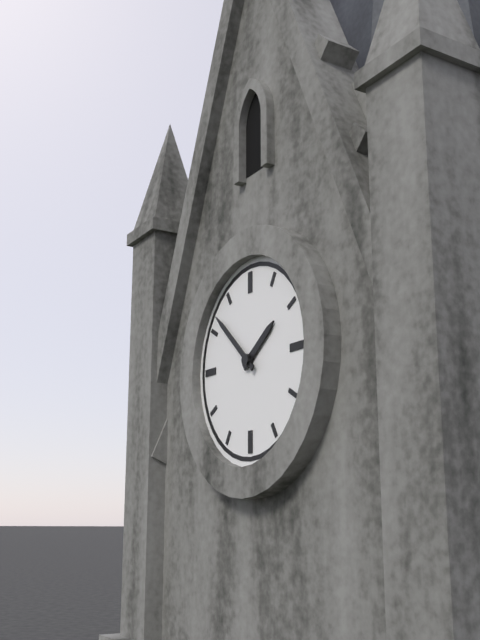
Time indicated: 1,52
